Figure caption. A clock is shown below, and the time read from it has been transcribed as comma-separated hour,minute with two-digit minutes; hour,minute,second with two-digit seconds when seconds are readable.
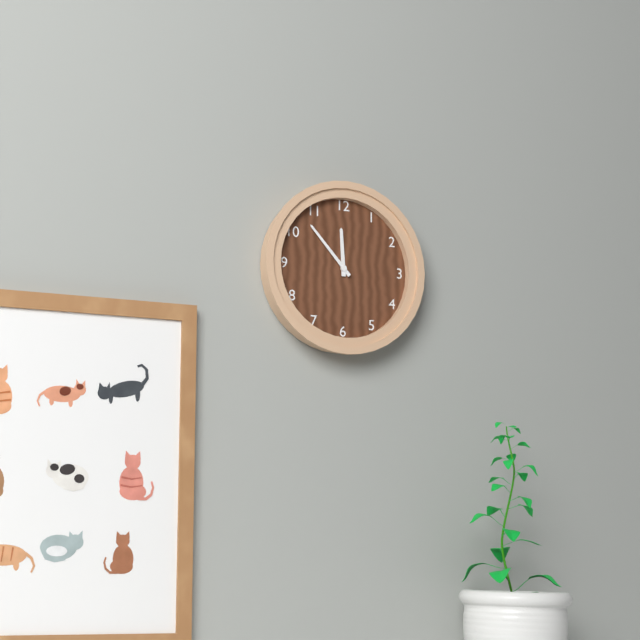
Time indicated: 11,53
